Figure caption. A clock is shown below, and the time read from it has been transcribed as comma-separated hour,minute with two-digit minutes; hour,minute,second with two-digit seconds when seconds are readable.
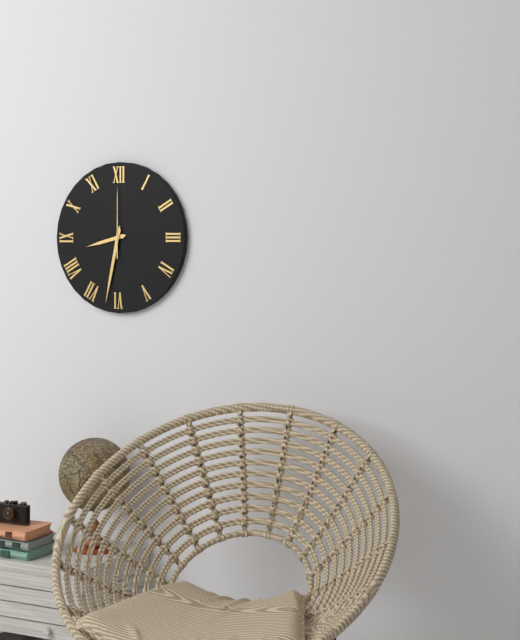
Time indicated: 8,32,00
